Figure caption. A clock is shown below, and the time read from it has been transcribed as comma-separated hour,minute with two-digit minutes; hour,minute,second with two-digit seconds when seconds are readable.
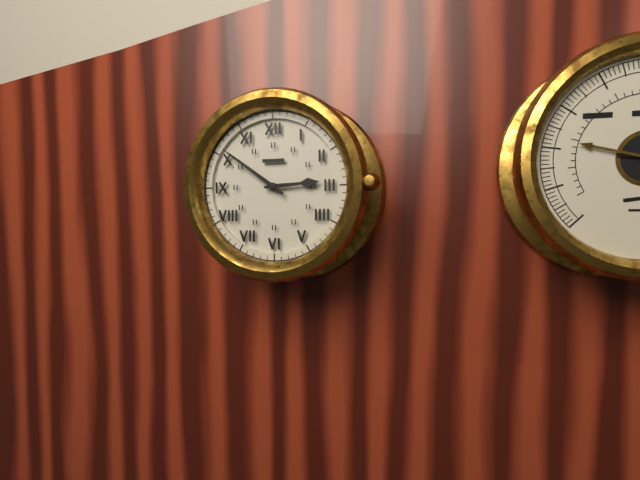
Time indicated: 2,51
